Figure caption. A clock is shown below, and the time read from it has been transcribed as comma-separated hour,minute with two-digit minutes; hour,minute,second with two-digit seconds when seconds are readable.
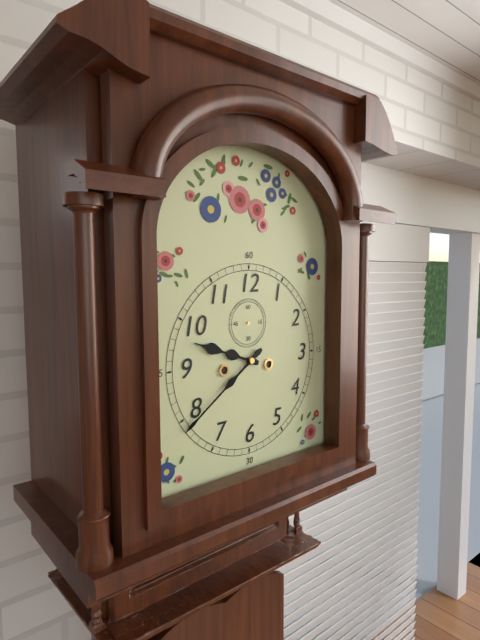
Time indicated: 9,39
